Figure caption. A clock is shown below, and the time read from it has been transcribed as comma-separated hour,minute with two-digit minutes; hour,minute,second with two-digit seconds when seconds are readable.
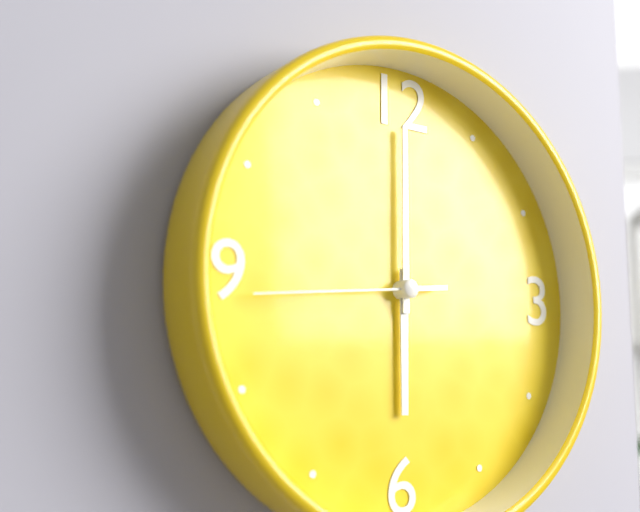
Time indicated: 6,00,44
